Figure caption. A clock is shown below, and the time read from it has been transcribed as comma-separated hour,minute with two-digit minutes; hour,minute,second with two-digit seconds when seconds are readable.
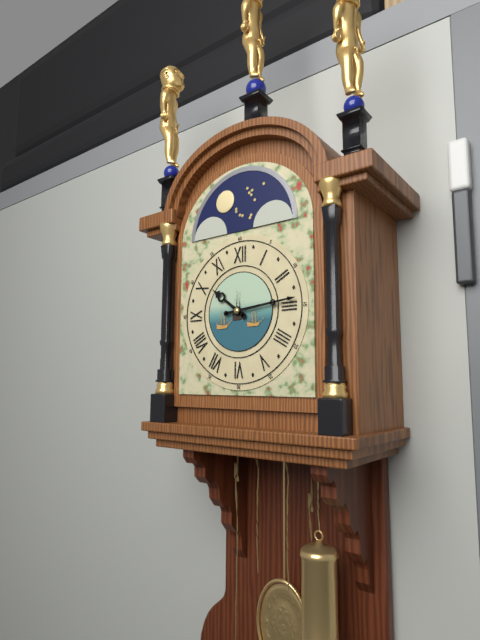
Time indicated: 10,14
